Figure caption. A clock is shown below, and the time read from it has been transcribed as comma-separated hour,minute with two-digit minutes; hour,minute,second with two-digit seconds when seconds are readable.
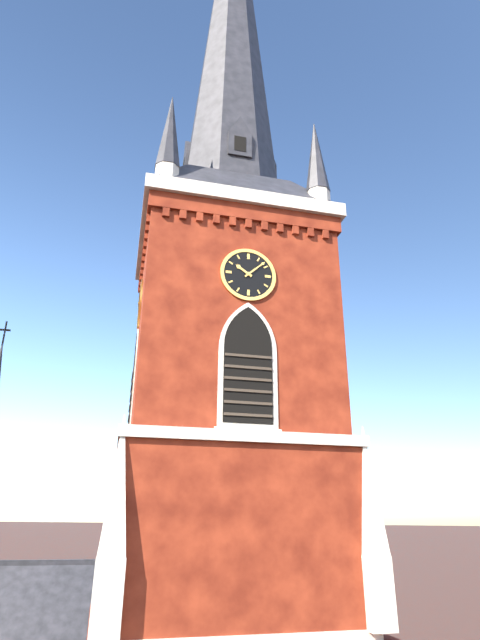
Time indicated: 10,08
